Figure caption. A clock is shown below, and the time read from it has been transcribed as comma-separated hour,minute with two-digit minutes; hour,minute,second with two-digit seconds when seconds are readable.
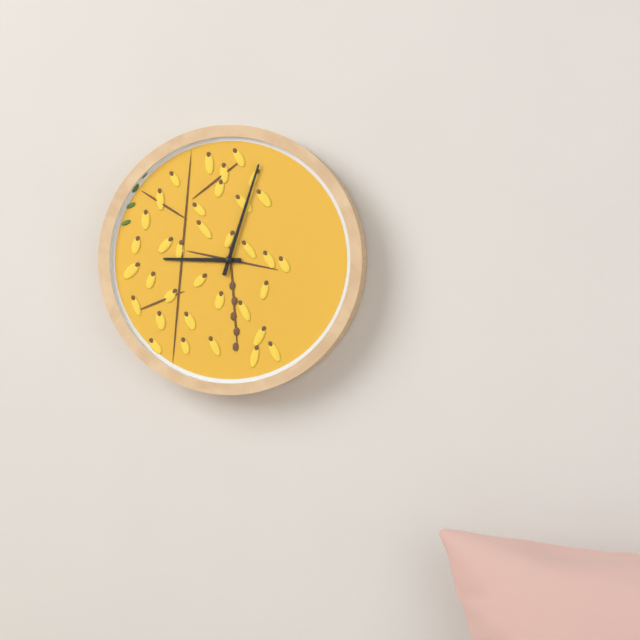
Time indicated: 9,03
